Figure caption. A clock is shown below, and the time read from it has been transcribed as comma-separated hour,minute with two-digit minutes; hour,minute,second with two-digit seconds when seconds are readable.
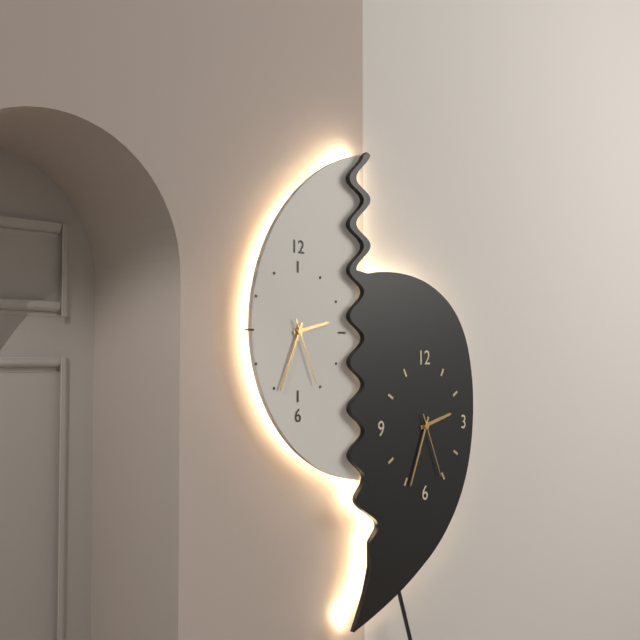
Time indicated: 2,34,26
